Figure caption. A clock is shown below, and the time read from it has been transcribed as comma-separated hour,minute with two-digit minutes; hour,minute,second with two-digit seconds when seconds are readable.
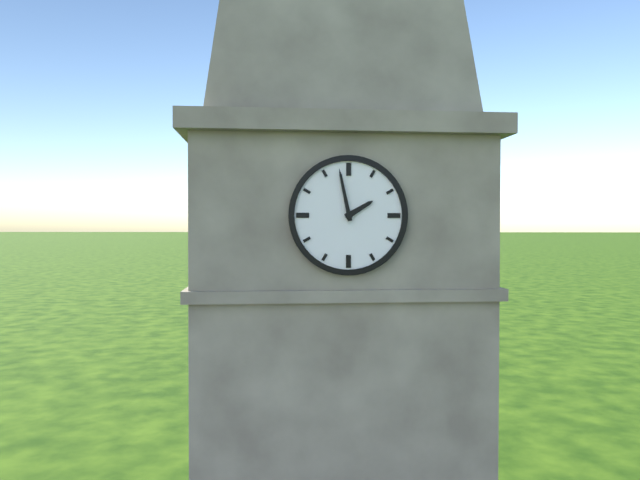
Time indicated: 1,58
